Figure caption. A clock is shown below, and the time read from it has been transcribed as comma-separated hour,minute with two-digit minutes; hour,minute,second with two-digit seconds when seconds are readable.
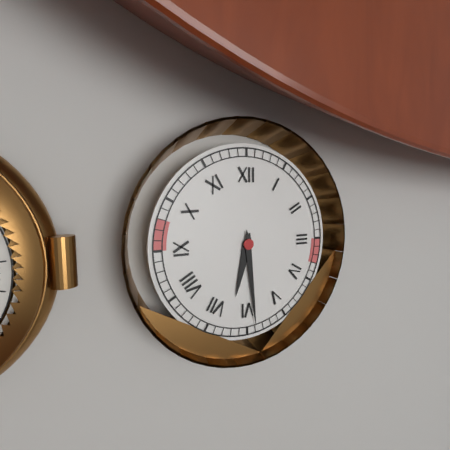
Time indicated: 6,29
